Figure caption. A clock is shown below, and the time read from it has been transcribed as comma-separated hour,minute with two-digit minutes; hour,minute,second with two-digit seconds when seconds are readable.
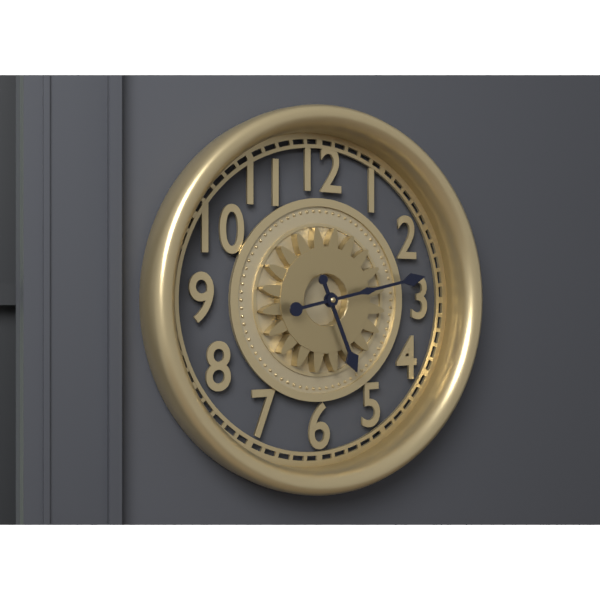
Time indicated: 5,13
